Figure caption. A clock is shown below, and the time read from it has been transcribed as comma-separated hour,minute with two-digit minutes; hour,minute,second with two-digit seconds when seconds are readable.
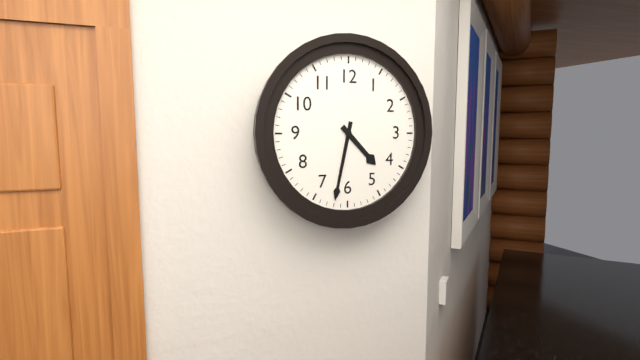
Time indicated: 4,32
